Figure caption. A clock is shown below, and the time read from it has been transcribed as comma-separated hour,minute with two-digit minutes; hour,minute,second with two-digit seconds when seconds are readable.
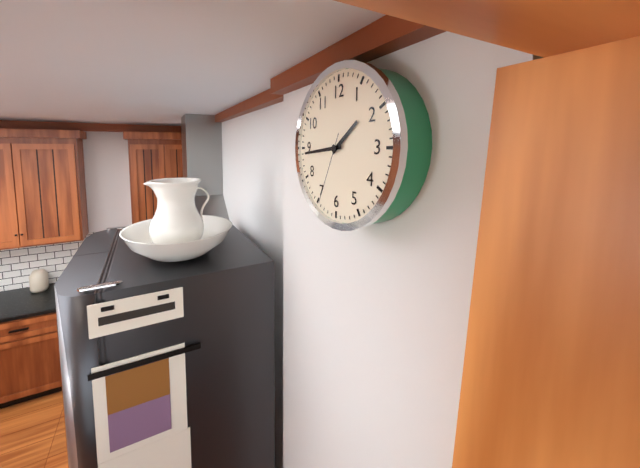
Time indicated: 1,44,34
